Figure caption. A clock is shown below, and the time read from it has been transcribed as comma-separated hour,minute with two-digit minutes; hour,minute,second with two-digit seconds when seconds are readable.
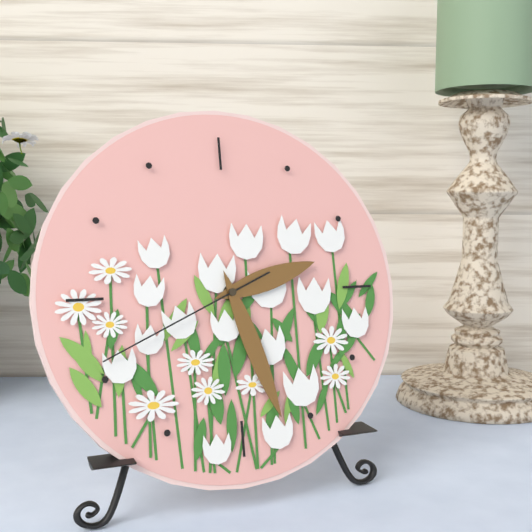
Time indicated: 2,27,41
